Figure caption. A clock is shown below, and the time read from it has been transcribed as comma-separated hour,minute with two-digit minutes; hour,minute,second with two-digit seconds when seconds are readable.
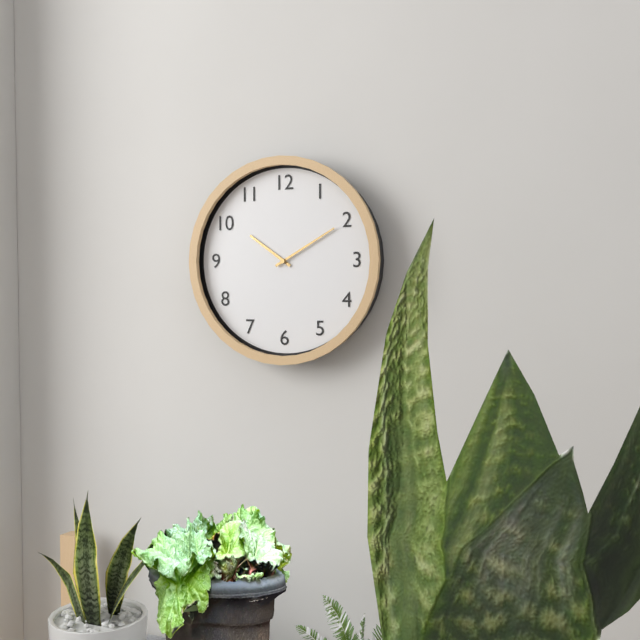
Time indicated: 10,10
